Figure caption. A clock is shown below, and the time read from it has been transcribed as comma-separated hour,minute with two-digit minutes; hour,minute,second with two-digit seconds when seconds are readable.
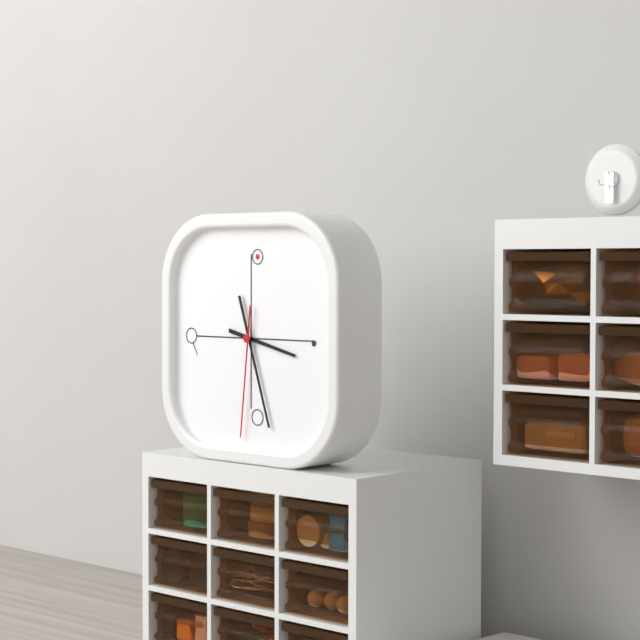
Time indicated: 3,27,31
